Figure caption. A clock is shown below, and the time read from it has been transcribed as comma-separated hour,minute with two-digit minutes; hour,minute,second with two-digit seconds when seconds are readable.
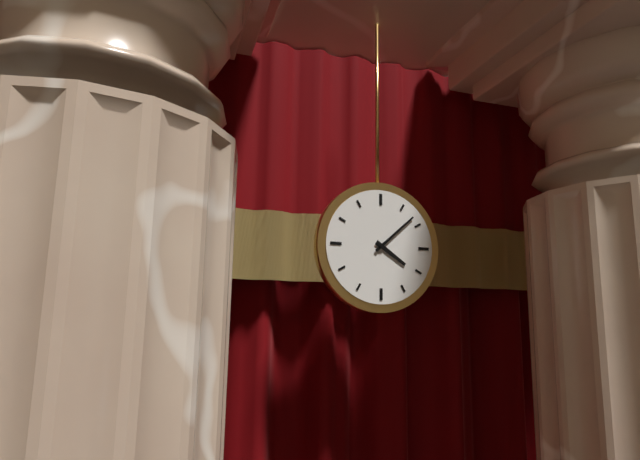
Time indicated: 4,08
